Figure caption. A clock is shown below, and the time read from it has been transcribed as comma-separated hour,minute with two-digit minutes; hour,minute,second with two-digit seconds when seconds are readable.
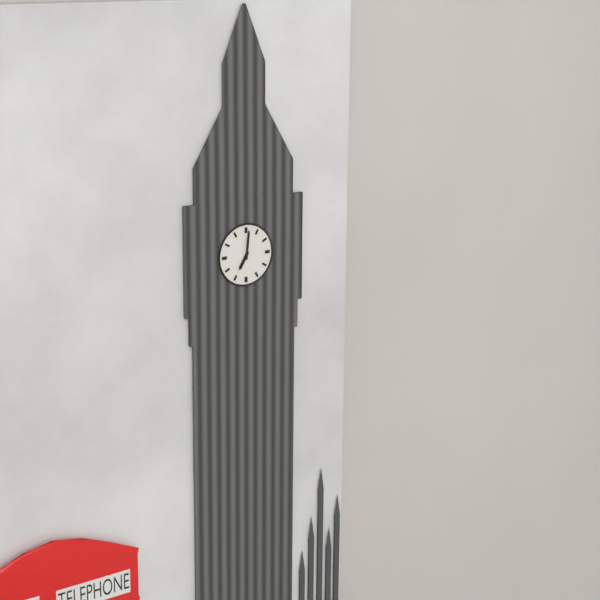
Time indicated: 7,01
